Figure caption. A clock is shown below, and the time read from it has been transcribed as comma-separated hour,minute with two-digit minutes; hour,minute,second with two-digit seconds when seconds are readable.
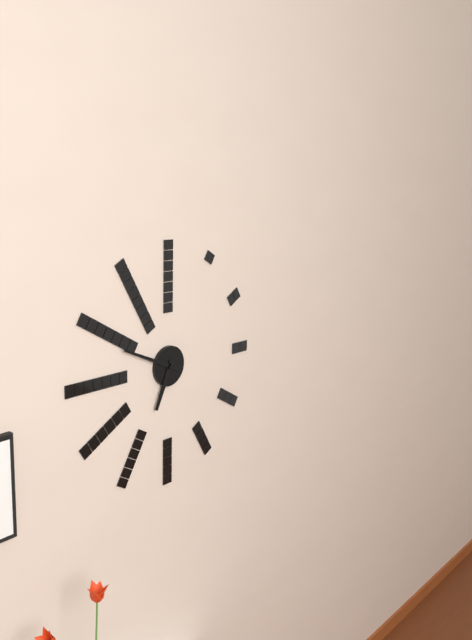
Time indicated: 6,49
